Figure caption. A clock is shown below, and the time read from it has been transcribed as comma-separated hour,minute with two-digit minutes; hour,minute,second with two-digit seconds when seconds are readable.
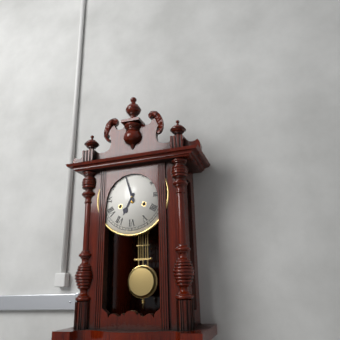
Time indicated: 6,57
